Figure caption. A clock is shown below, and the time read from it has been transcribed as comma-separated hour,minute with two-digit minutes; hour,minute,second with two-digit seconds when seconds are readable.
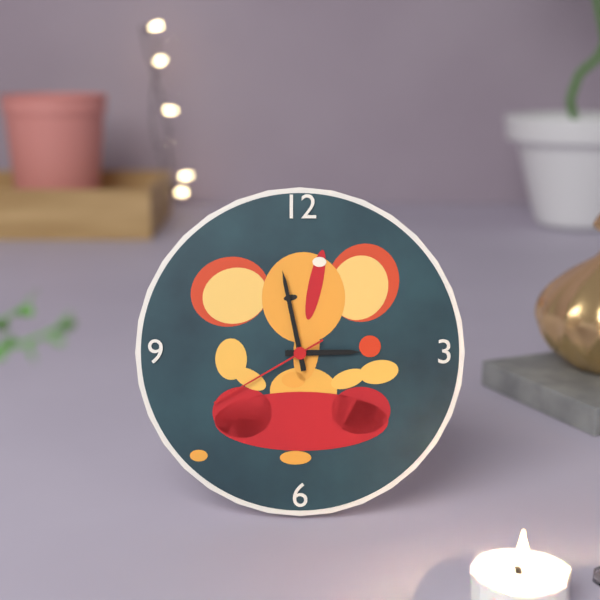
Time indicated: 2,58,40
